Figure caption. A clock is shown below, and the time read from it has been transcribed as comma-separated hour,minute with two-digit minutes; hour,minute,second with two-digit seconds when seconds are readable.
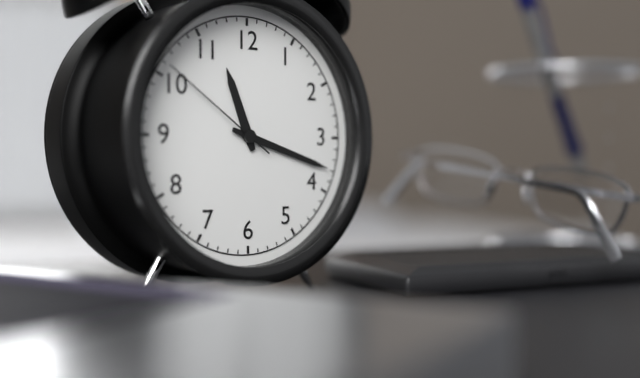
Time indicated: 11,18,51
